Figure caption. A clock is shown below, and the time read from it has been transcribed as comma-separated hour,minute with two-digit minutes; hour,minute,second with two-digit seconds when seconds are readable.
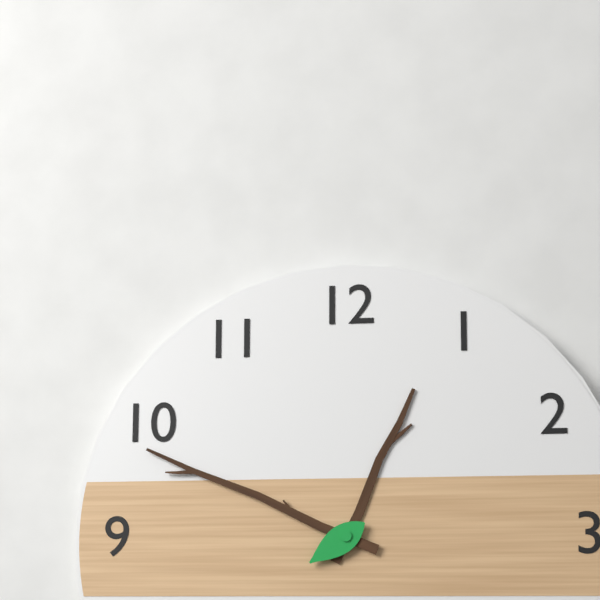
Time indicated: 12,49,39
